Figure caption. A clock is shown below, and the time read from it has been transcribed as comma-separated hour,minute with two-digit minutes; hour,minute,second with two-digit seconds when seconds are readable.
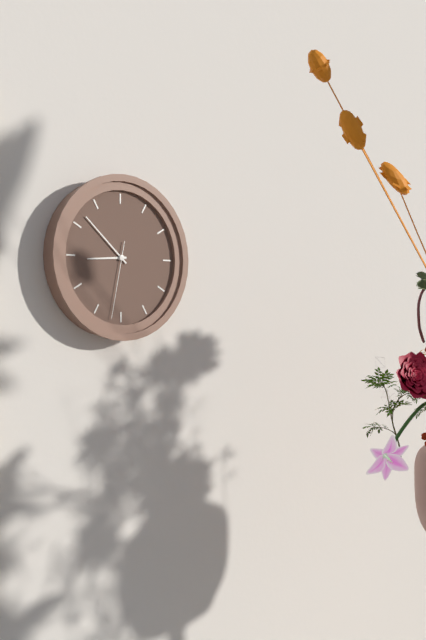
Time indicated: 8,52,32
